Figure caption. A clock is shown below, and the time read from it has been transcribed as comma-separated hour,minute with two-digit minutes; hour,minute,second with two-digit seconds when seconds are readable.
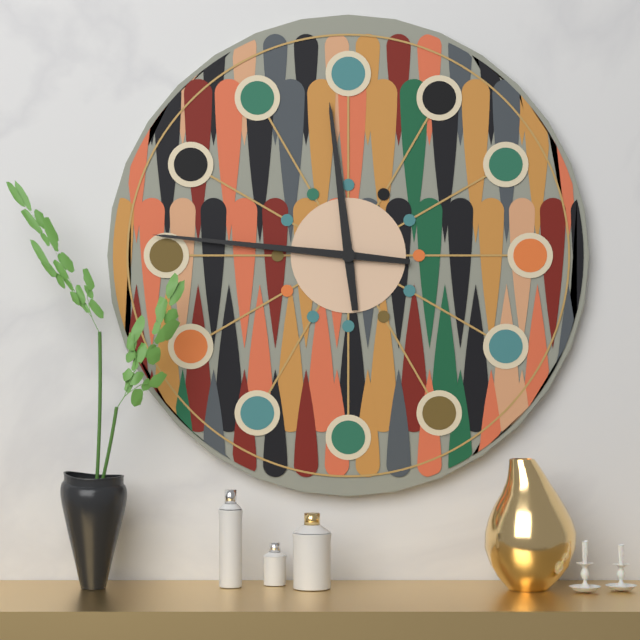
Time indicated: 11,46
